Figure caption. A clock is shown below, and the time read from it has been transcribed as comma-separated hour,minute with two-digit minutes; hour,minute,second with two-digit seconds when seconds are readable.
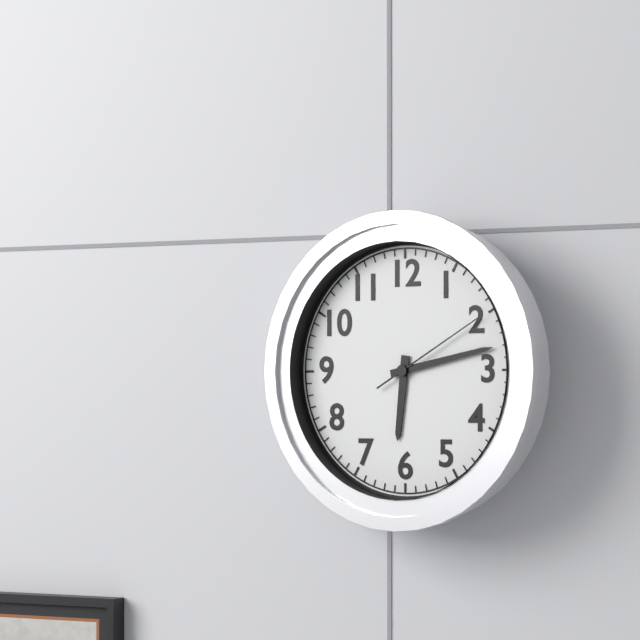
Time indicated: 6,13,10
